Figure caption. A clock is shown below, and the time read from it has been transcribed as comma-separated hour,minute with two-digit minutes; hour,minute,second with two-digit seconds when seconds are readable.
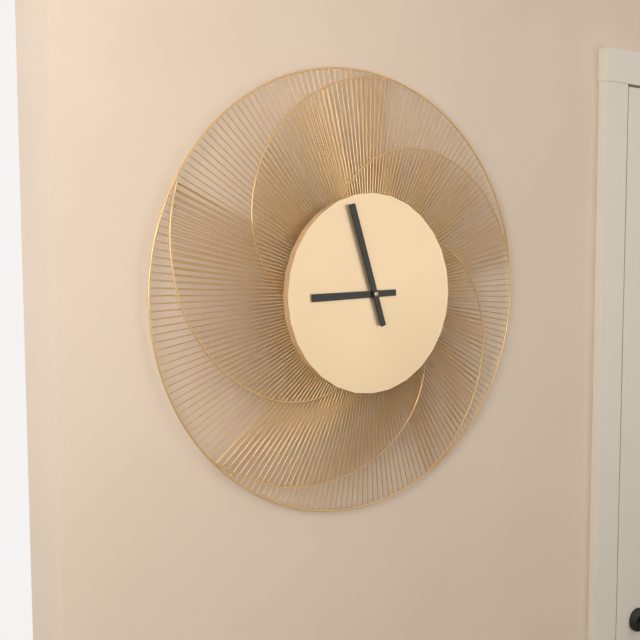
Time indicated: 8,57
